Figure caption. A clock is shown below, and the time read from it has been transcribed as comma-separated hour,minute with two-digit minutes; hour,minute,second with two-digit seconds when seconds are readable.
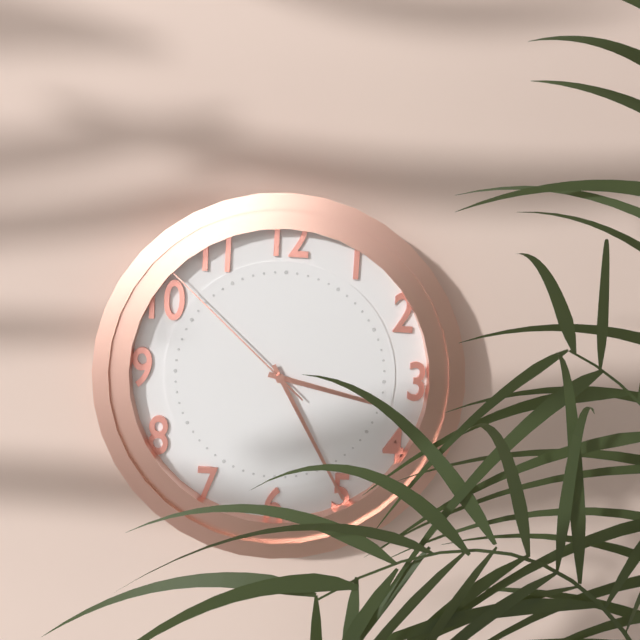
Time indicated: 3,25,52
